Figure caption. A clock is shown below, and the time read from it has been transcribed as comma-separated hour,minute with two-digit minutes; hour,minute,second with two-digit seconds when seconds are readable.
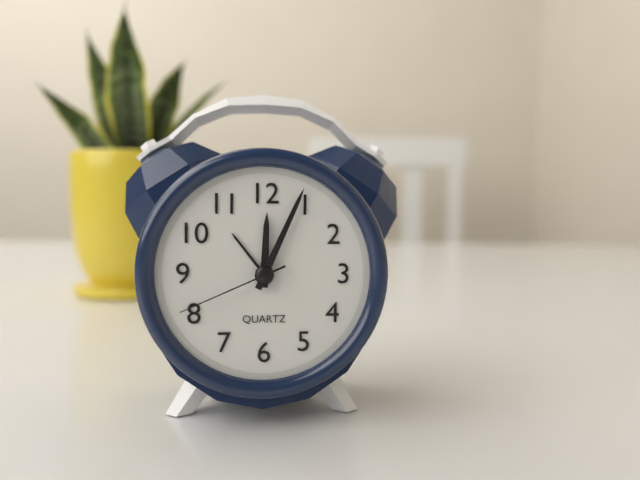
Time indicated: 12,04,41
